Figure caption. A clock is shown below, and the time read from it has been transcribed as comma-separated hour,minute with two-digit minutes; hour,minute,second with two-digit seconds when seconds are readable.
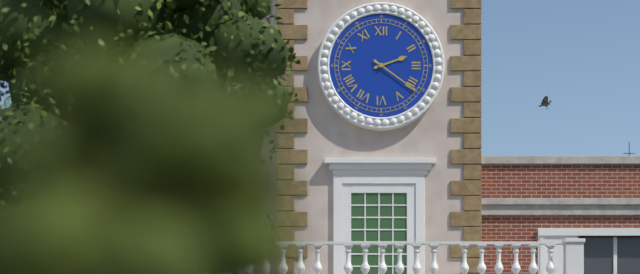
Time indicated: 2,21
